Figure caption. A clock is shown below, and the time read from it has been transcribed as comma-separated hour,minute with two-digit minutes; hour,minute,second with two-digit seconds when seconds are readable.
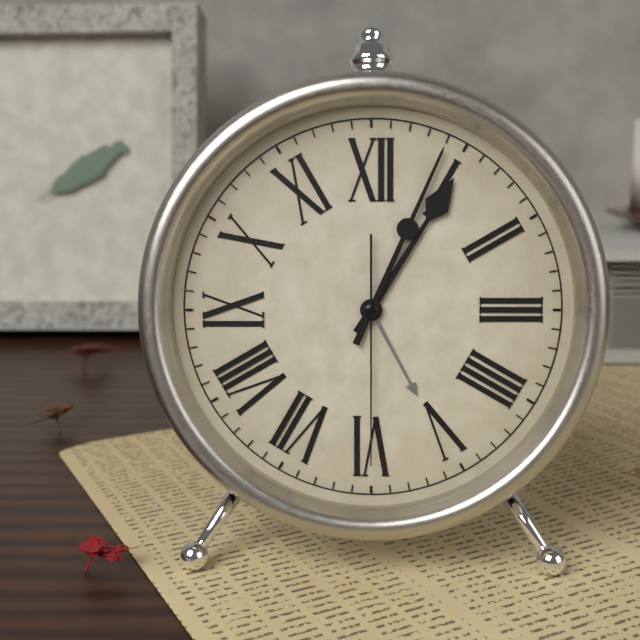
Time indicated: 1,04,30
